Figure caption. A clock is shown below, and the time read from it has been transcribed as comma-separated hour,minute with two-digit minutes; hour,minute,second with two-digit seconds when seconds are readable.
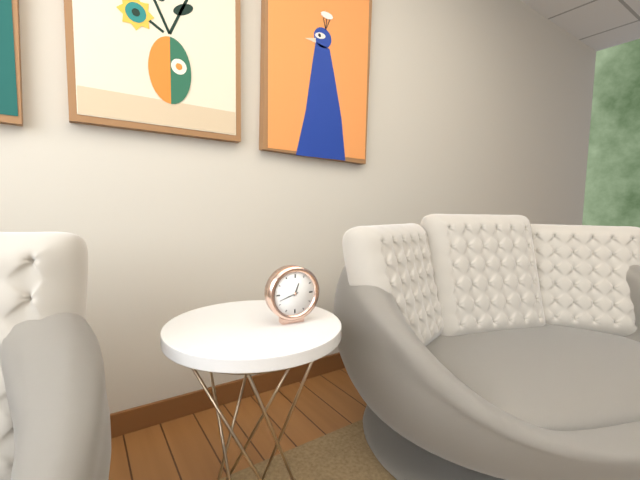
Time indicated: 12,42
